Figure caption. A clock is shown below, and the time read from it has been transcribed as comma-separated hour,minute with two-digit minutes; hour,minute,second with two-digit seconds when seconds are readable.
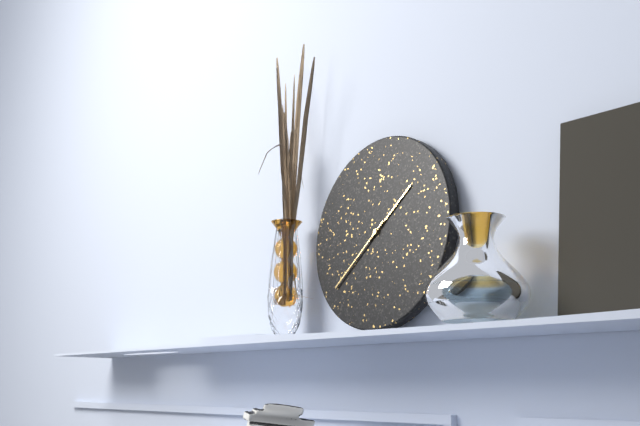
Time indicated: 1,38
